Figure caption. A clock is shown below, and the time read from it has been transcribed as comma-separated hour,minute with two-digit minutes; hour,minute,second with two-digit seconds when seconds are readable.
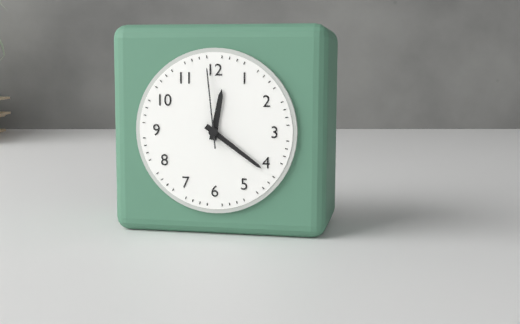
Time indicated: 12,21,59
